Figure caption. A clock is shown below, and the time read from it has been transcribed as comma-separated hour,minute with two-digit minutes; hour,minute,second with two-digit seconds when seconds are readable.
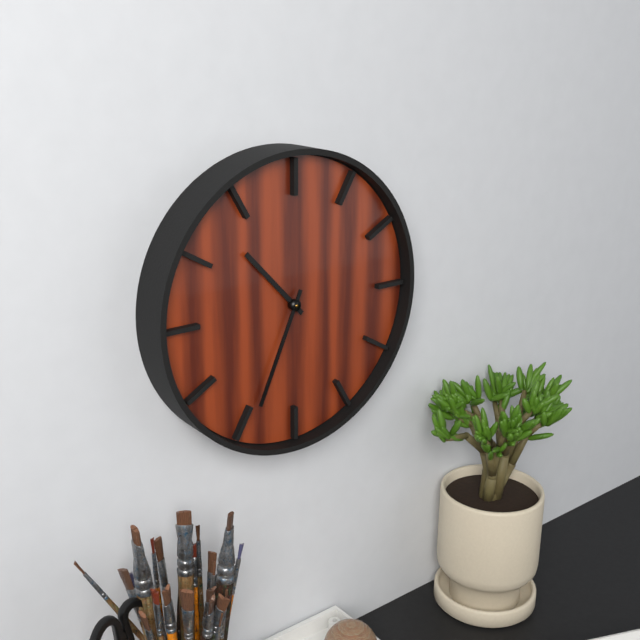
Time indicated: 10,34
